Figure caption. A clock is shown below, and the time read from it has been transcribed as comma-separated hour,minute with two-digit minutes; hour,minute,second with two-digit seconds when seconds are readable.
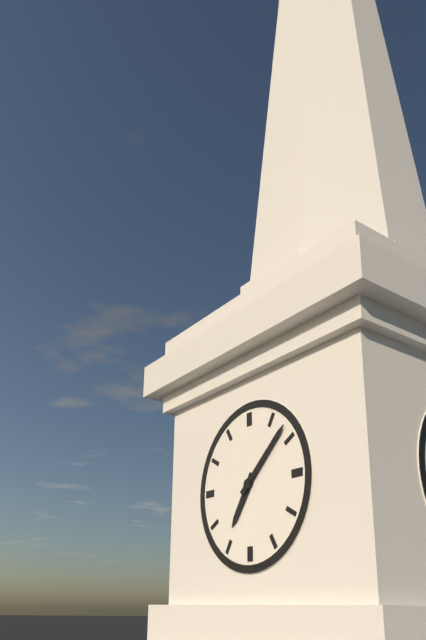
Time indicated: 7,08
